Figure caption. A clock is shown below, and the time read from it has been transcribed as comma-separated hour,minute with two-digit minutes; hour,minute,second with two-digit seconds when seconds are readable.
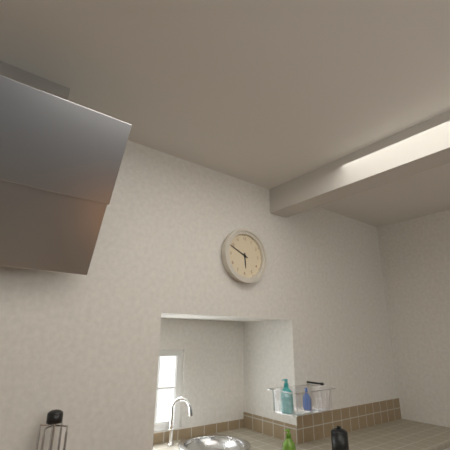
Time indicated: 5,49
